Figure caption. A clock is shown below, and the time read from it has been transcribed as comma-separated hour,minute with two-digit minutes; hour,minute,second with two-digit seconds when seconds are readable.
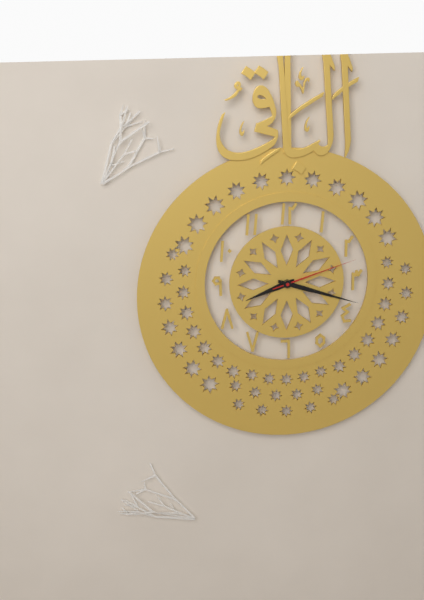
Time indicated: 8,18,12
